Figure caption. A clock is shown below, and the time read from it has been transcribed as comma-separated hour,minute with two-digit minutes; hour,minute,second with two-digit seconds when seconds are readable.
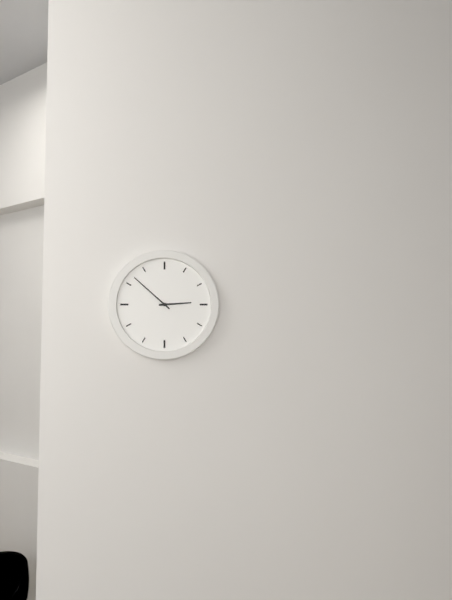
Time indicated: 2,52
